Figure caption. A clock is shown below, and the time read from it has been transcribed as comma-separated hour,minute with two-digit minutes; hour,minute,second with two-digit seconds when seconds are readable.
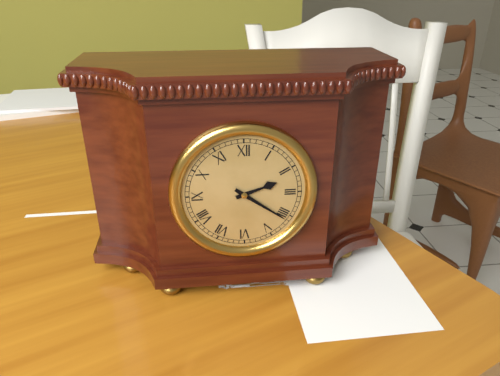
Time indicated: 2,21
